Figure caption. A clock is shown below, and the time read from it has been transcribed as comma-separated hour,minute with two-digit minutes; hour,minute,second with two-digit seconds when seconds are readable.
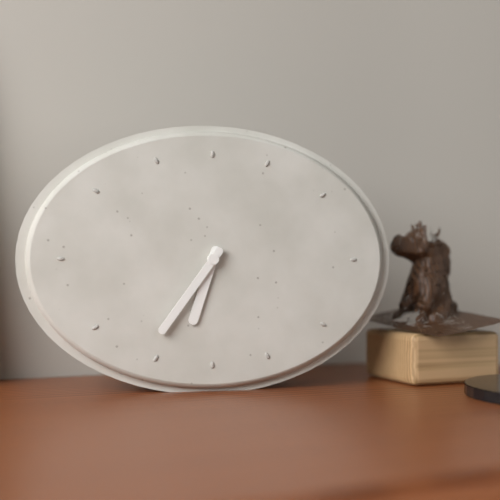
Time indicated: 6,36
